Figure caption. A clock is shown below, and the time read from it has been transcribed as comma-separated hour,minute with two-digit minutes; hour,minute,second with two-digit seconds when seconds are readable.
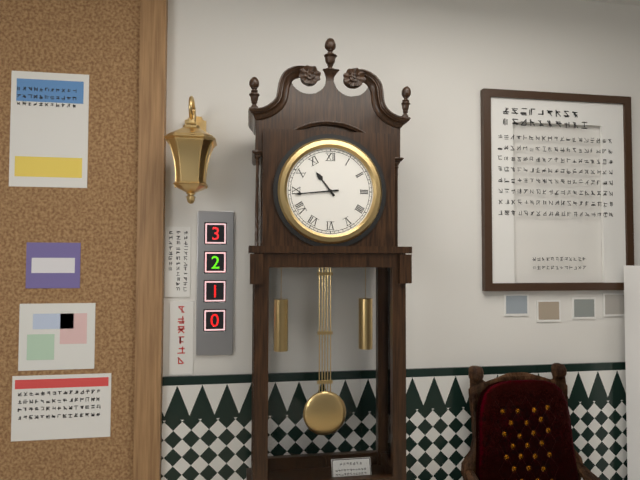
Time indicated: 10,44
